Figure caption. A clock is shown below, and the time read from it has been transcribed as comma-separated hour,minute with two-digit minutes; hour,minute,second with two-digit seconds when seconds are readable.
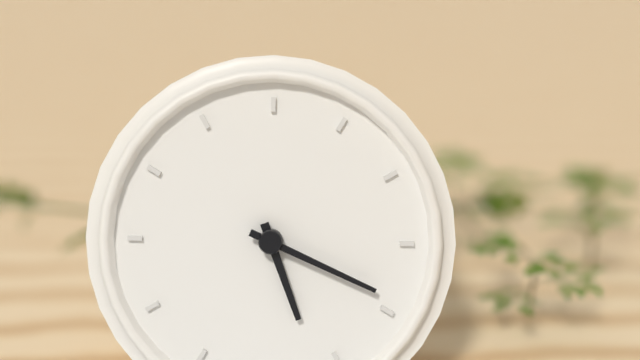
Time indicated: 5,19
